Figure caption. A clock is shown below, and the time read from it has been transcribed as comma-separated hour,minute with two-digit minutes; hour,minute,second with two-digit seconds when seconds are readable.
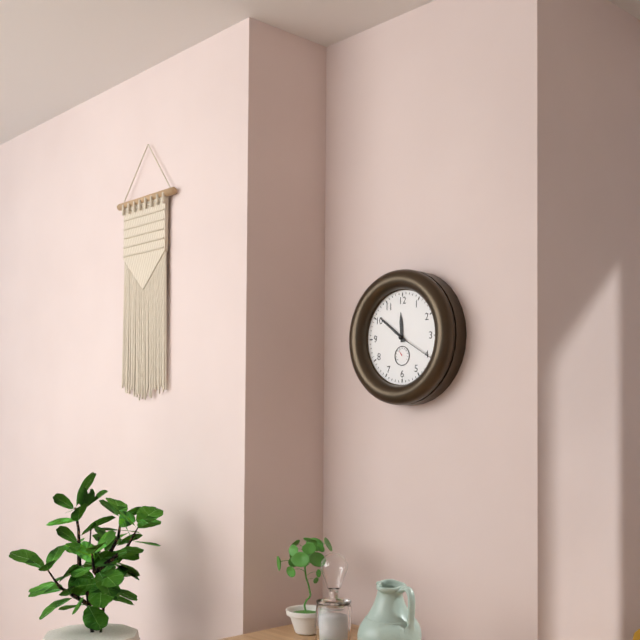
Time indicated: 11,51
